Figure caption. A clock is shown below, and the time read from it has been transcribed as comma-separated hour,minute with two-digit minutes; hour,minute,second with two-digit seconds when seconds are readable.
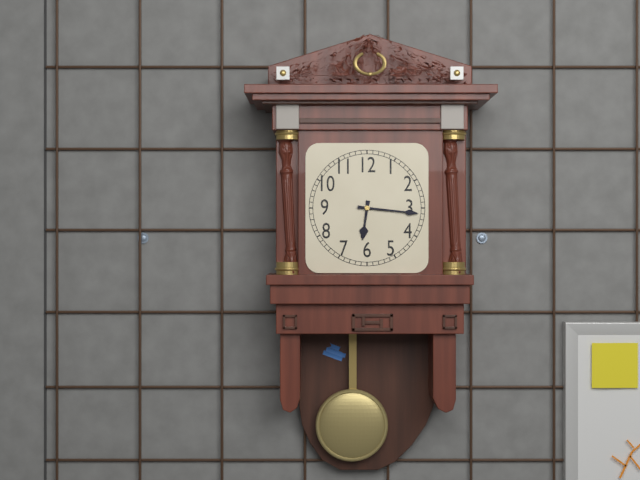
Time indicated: 6,16
